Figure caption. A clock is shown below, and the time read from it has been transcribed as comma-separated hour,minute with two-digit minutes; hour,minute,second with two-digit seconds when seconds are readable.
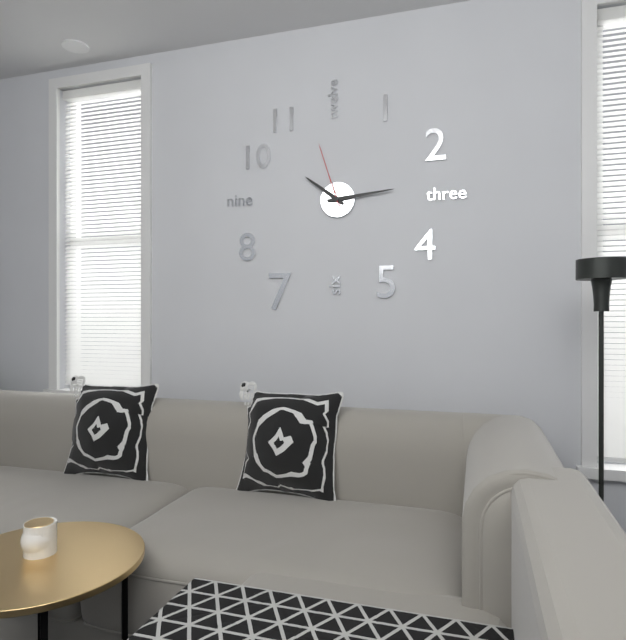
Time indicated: 10,14,57
